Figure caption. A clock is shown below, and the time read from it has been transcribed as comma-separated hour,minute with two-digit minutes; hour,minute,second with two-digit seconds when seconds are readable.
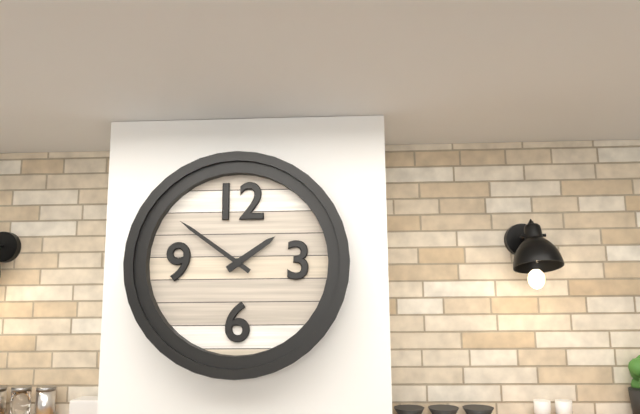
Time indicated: 1,51
